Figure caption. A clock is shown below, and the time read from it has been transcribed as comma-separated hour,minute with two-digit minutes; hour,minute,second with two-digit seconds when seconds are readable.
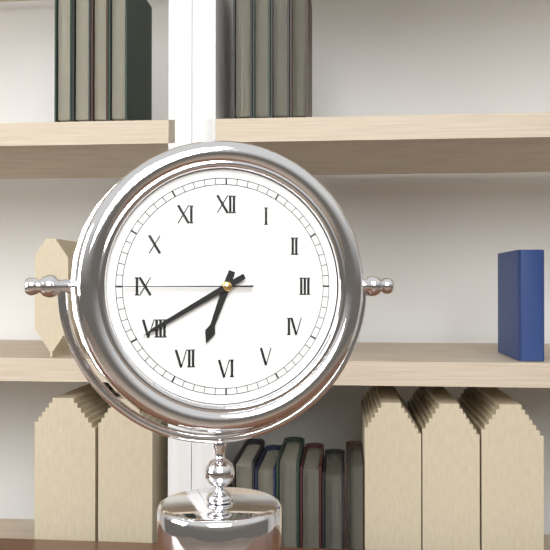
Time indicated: 6,40,45
